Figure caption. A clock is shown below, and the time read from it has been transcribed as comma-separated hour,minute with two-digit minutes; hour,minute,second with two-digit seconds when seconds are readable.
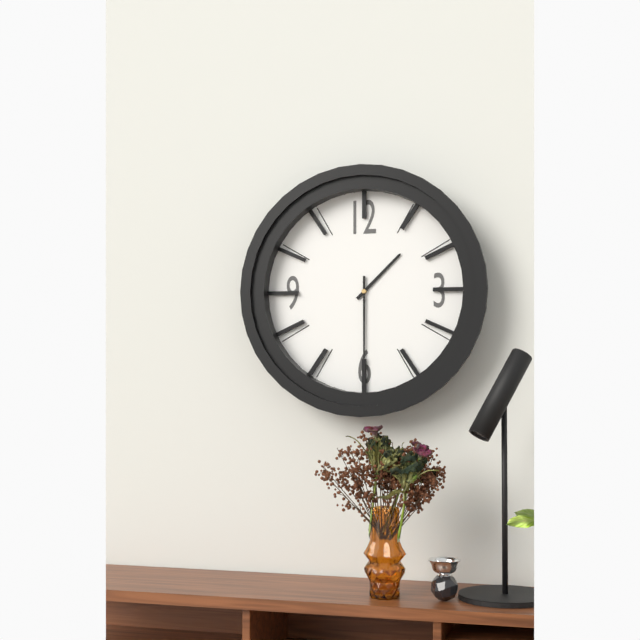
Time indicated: 1,30
